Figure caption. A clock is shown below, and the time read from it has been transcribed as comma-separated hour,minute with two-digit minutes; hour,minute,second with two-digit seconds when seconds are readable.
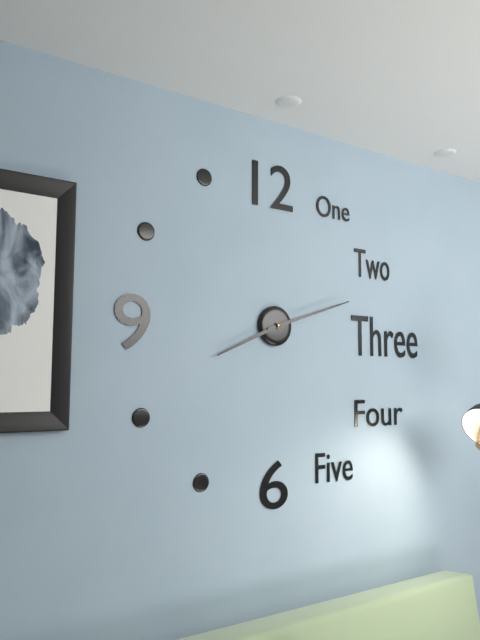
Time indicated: 8,12
